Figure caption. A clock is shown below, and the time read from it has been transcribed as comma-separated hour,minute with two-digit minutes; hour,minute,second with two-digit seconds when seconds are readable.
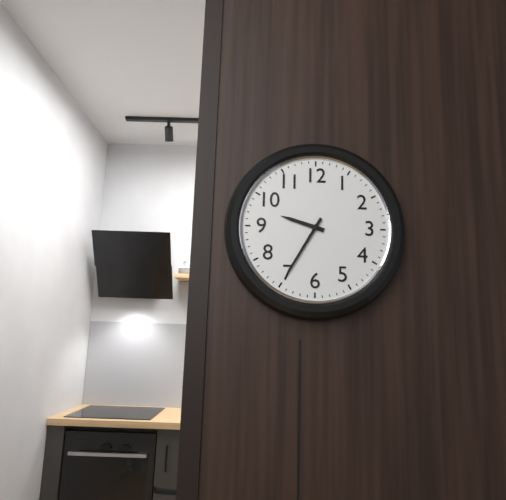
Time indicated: 9,35
